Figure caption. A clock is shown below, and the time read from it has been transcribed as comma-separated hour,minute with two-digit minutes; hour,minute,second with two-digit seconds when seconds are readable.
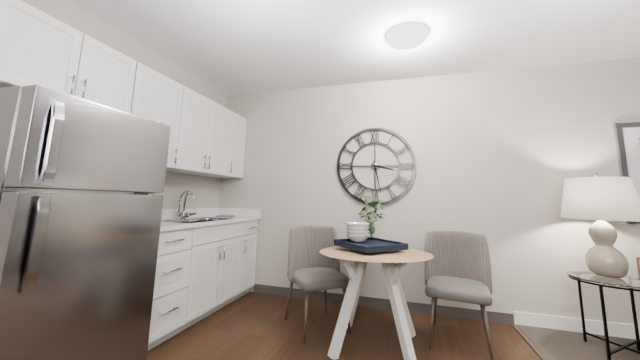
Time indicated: 3,28
